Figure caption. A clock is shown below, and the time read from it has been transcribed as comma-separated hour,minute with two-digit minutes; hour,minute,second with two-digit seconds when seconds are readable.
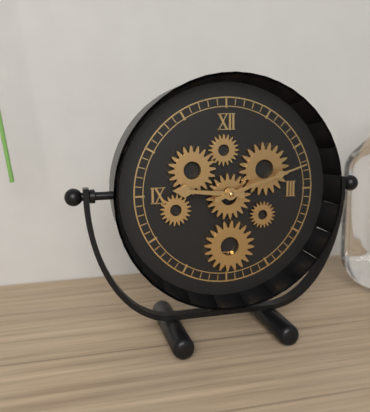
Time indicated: 9,12
